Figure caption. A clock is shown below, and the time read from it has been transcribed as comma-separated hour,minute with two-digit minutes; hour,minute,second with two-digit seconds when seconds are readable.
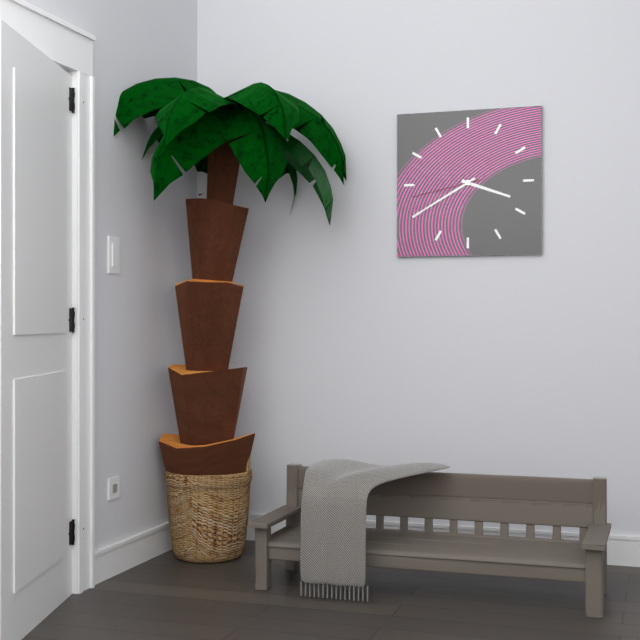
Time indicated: 3,40,43
